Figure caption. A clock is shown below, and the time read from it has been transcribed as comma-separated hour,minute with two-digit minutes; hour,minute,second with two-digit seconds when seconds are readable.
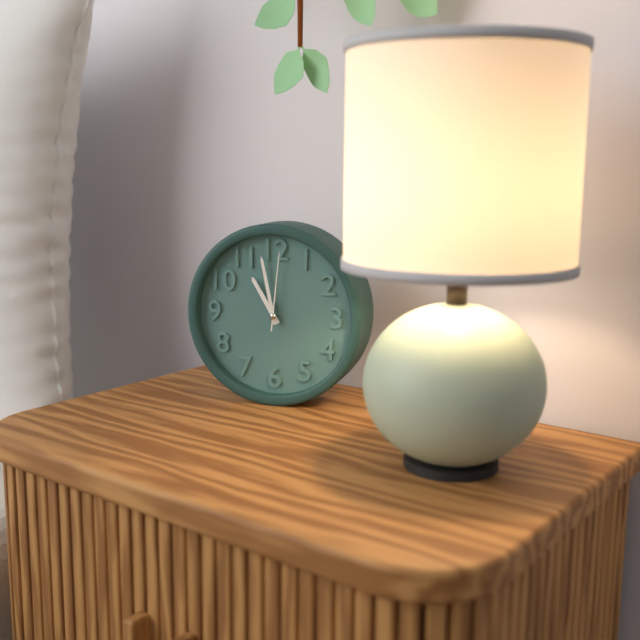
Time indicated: 10,58,01
